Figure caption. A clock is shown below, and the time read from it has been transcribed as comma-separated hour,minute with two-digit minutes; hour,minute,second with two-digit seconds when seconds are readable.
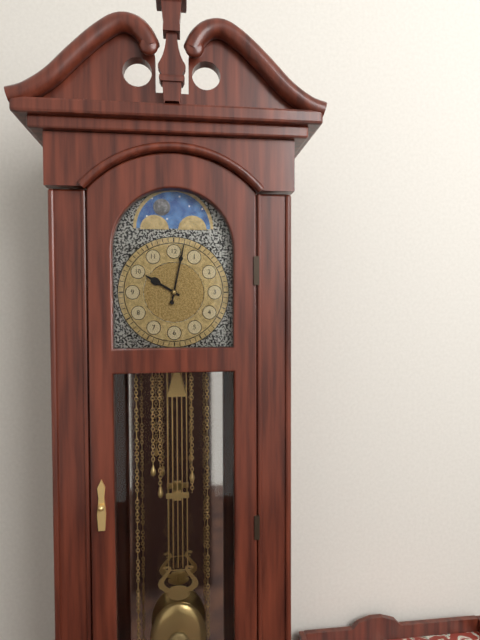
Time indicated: 10,02
